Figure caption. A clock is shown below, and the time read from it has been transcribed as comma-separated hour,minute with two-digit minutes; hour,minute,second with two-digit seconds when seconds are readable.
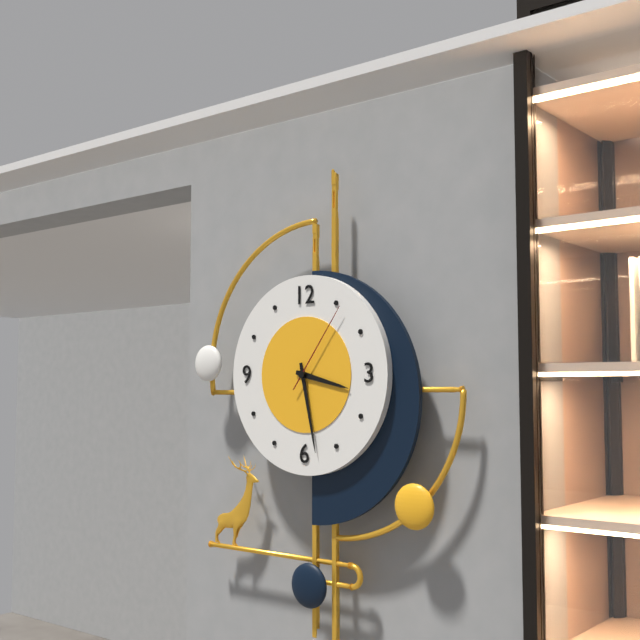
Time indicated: 3,28,06
